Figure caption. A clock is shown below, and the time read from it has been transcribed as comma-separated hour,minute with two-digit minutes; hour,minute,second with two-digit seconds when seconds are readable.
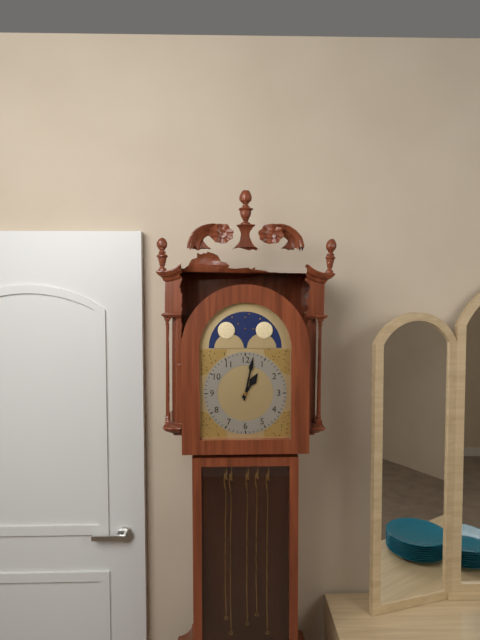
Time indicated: 1,02
